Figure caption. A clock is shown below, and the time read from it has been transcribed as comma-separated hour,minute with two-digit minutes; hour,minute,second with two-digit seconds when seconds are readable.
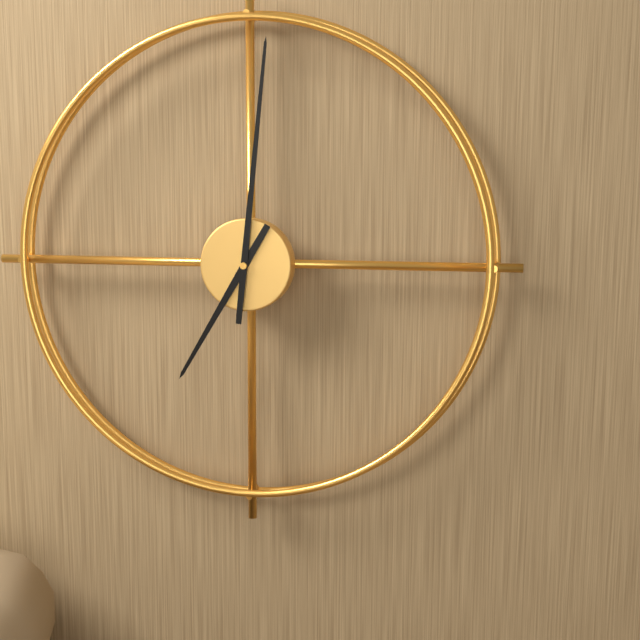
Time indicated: 7,01
